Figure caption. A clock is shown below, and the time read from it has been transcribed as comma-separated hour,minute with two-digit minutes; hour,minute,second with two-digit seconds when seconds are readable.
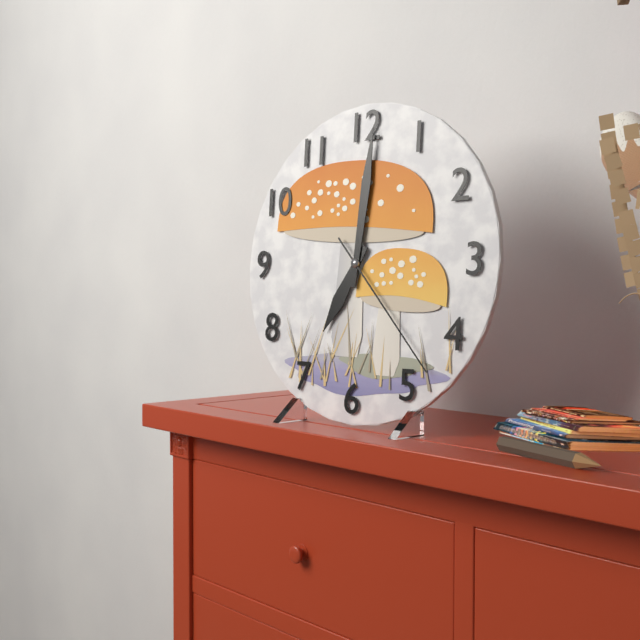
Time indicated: 7,01,23
